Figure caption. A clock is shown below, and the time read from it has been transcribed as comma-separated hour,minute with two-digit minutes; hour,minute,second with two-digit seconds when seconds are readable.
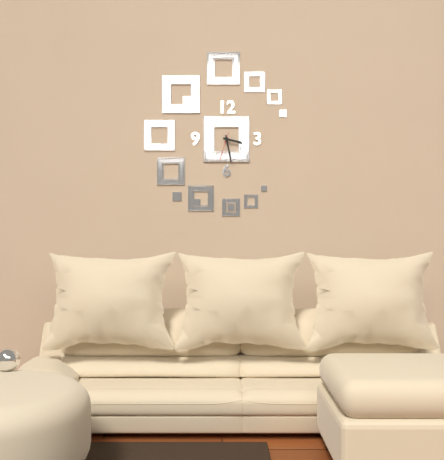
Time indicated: 3,28
